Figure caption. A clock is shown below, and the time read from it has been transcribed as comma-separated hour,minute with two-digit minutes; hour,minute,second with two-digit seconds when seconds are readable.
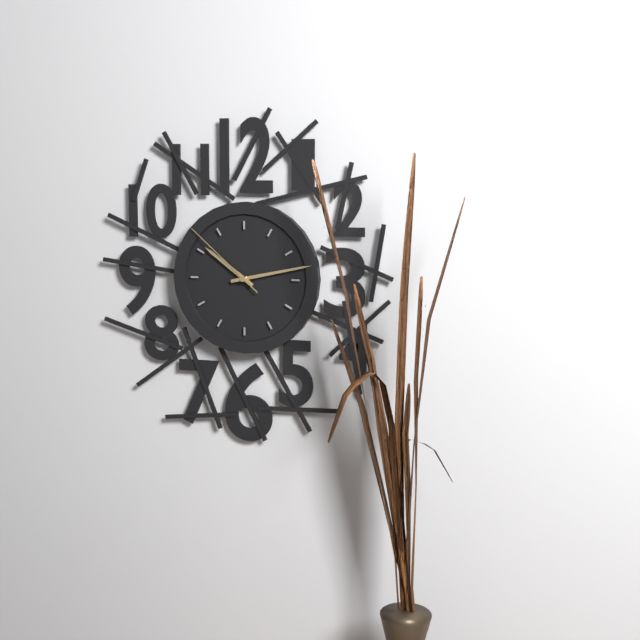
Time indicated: 10,13,52
